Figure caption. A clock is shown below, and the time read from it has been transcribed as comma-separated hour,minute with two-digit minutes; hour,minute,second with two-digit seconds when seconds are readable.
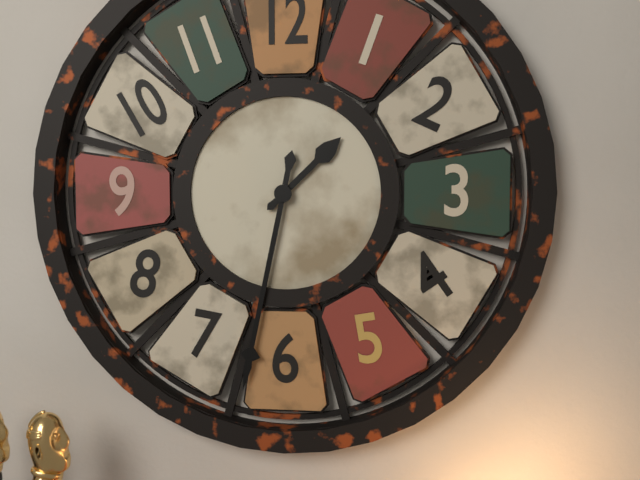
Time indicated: 1,32
